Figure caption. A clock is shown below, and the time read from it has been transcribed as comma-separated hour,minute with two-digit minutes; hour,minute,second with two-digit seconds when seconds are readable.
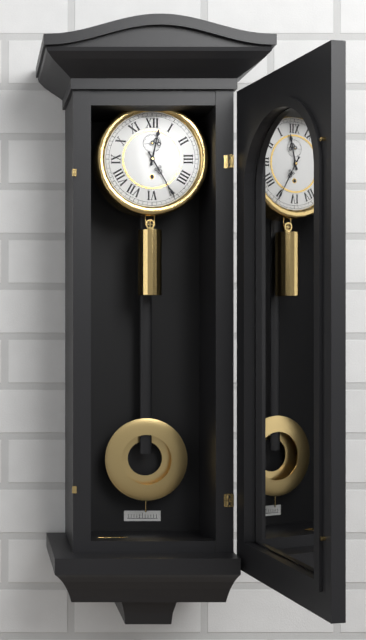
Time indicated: 12,25
